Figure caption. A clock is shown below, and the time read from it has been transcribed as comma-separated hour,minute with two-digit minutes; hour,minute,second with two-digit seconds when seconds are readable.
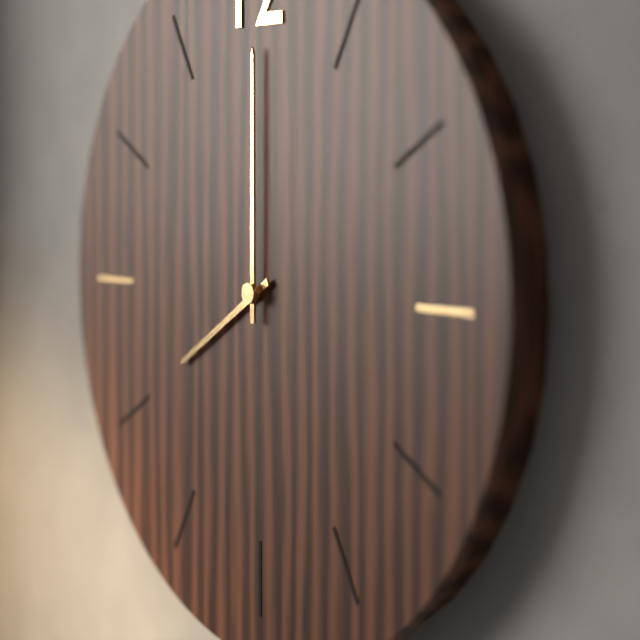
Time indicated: 8,00
